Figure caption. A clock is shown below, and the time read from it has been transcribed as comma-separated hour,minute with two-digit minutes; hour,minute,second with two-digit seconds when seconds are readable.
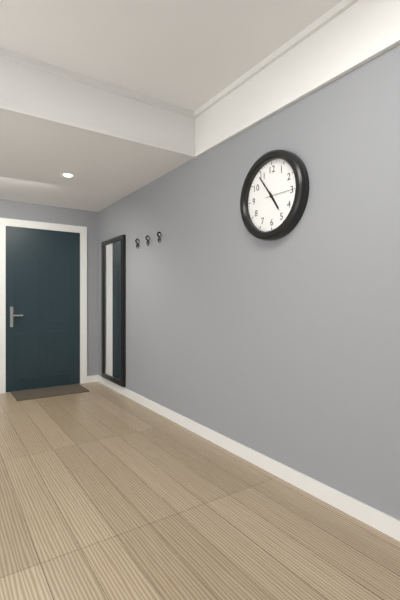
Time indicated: 4,54
